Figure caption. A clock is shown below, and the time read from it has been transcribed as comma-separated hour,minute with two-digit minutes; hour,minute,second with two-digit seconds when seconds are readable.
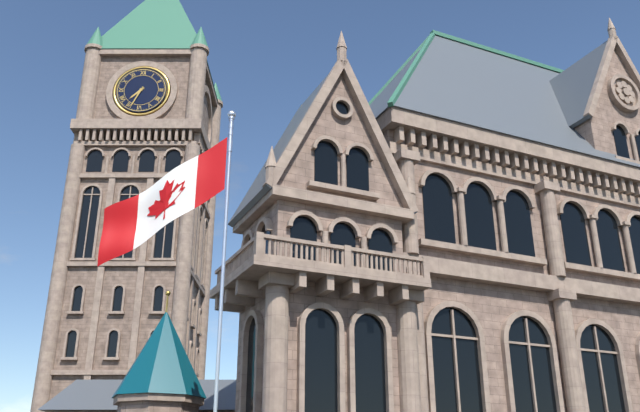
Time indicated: 7,34
